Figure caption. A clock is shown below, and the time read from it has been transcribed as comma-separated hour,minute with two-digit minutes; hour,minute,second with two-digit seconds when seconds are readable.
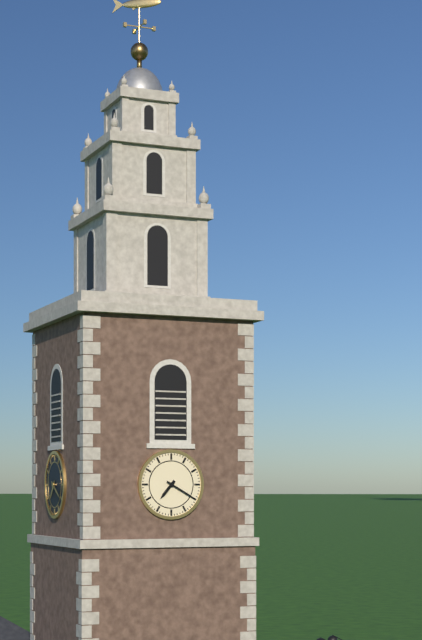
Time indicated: 7,20
